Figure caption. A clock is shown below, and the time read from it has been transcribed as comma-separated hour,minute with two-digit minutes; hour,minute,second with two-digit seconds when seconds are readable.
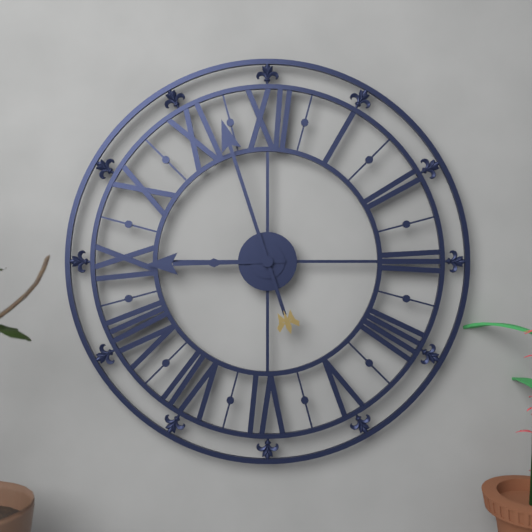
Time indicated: 8,57
